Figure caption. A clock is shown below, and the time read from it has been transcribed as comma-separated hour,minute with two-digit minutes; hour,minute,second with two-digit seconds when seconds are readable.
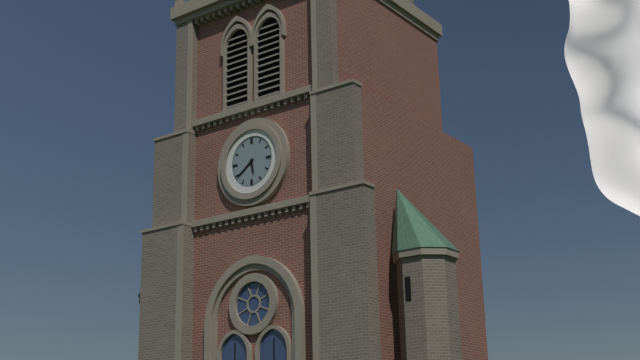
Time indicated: 5,39
